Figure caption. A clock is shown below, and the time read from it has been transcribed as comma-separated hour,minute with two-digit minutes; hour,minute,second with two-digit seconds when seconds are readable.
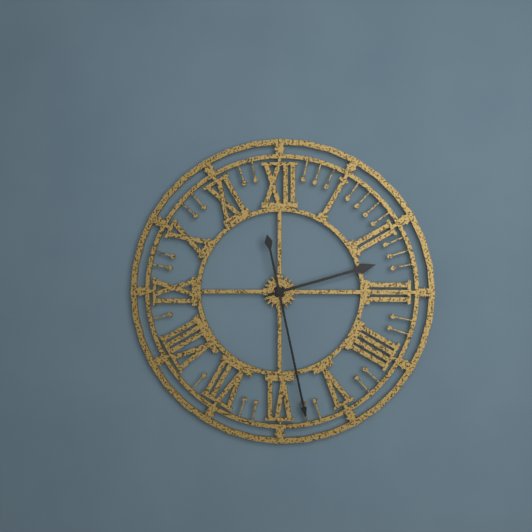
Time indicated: 2,28
